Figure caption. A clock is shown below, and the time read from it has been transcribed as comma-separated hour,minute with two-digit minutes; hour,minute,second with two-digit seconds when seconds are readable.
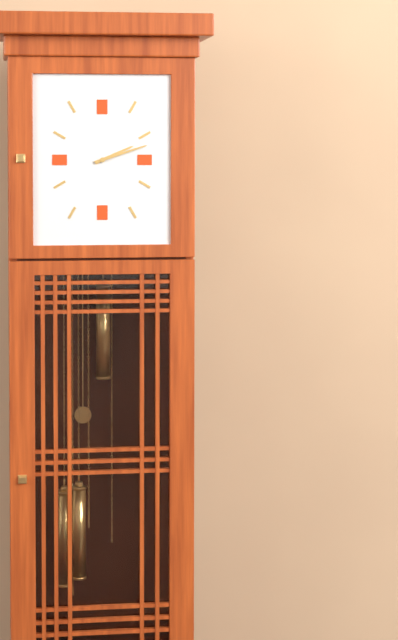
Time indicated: 2,12
